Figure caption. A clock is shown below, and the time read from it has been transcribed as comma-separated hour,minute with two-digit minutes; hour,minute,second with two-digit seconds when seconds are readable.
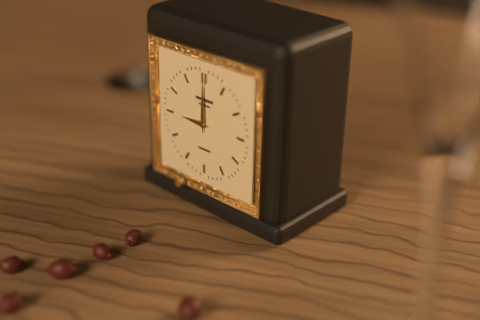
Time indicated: 9,00
